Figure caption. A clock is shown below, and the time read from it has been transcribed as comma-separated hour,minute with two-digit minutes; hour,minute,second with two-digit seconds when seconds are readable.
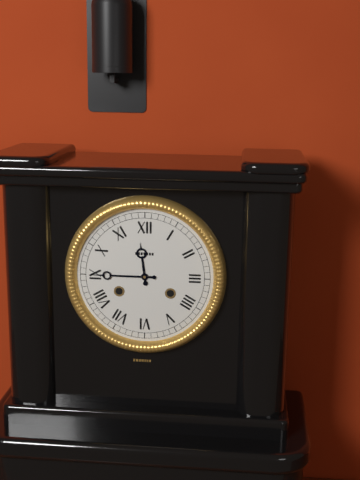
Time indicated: 11,45
